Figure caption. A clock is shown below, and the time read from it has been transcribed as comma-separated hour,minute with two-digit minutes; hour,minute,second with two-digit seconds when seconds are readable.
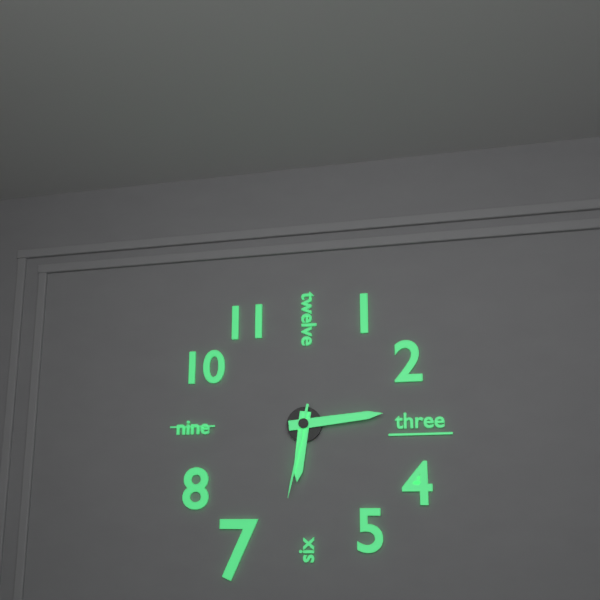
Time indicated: 6,14,32
